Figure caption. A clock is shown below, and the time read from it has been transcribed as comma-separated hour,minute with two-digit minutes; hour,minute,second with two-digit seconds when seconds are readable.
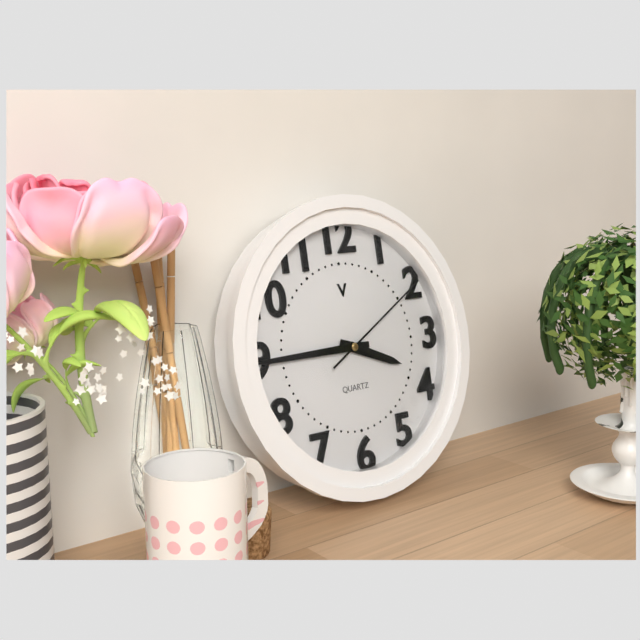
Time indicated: 3,45,10
